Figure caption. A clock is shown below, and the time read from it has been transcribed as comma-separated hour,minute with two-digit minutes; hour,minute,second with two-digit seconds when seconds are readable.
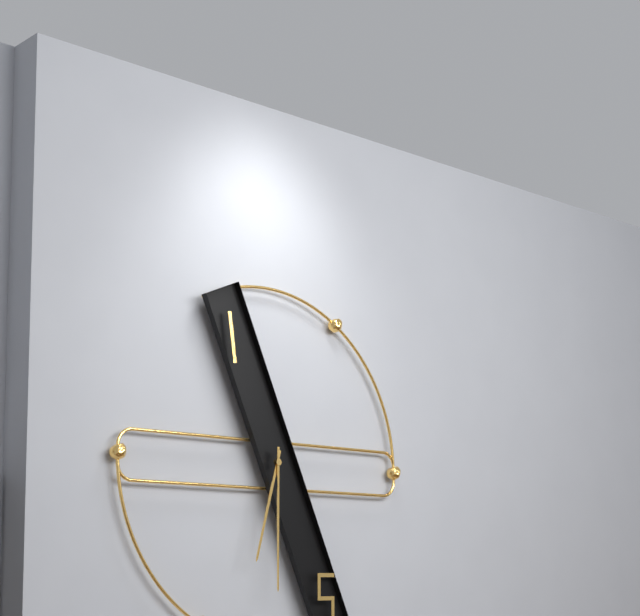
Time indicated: 6,30
